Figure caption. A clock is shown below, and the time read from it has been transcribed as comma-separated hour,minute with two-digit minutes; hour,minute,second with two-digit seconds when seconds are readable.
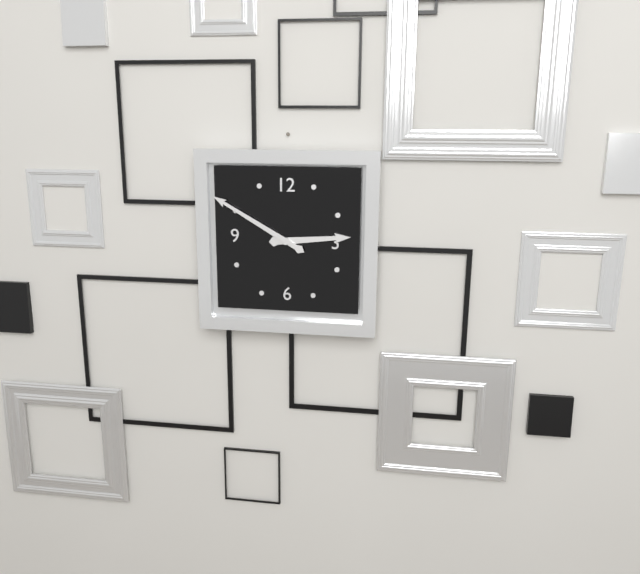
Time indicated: 2,50
